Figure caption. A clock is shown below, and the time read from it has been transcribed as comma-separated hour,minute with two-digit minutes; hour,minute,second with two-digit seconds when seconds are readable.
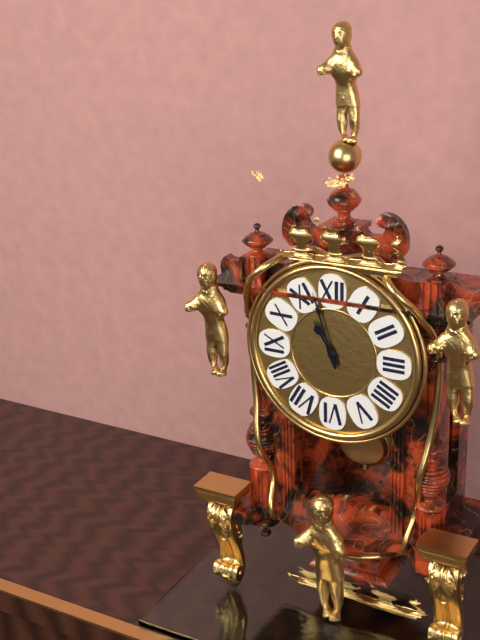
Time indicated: 10,57
